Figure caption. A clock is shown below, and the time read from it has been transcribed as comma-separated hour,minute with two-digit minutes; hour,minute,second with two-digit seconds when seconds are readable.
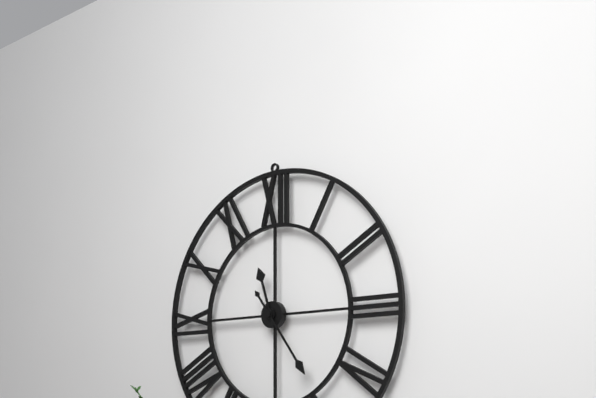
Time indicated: 11,24
